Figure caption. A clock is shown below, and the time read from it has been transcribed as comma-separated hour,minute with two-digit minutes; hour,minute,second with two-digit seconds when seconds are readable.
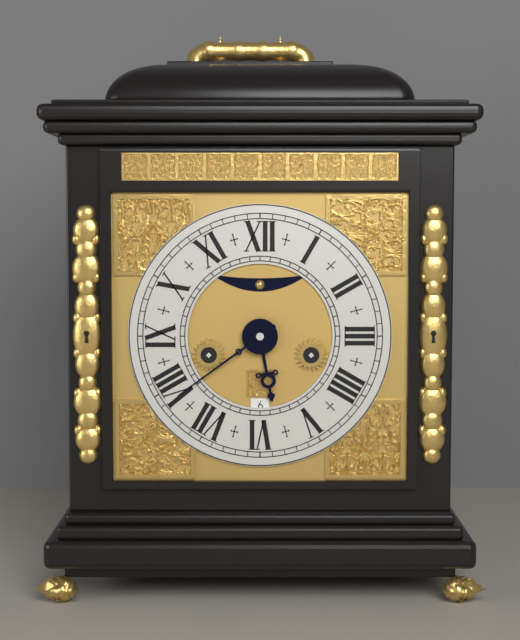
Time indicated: 5,39
